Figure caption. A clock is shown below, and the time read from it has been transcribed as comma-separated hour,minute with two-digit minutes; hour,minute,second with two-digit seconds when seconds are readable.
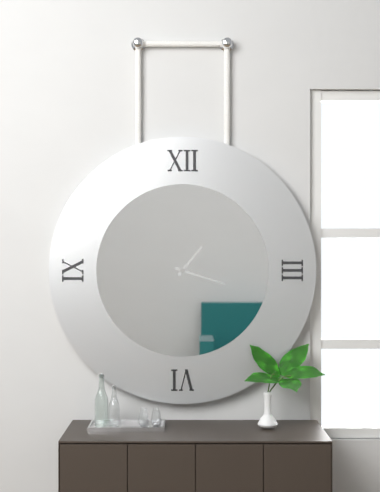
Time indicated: 1,18
